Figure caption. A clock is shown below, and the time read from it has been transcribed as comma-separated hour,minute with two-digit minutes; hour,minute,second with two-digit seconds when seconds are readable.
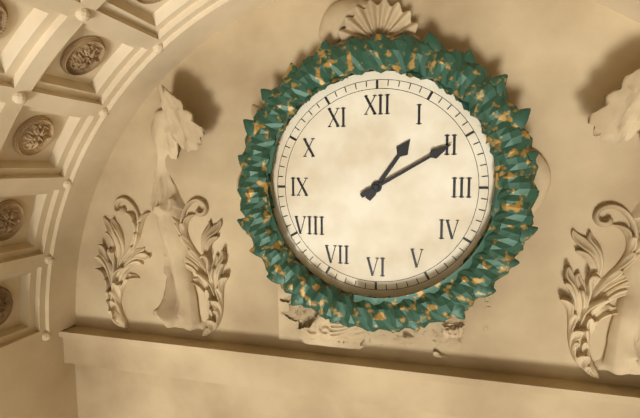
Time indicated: 1,10
